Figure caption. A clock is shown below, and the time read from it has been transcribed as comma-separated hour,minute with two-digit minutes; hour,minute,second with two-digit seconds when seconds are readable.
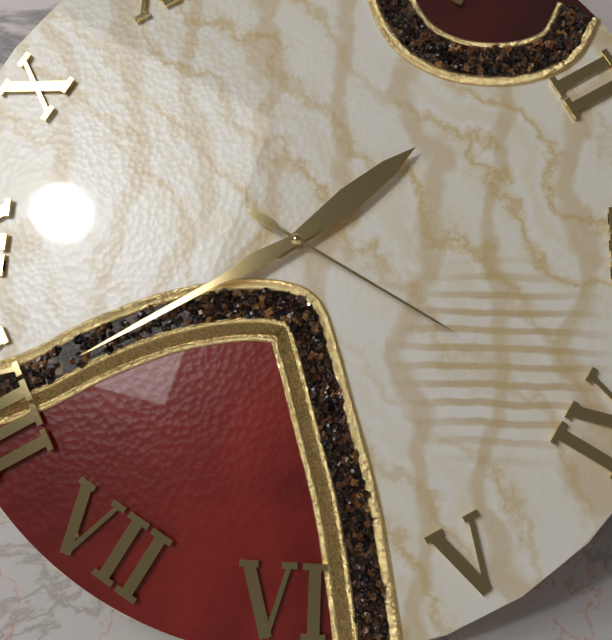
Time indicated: 1,40,20
